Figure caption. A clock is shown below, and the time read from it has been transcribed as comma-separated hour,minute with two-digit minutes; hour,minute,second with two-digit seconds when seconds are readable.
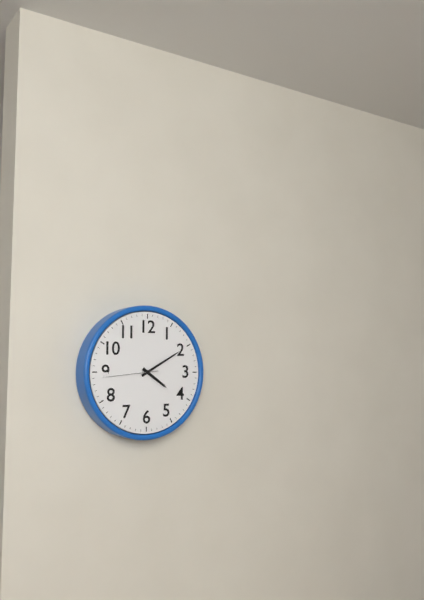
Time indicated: 4,10,44
